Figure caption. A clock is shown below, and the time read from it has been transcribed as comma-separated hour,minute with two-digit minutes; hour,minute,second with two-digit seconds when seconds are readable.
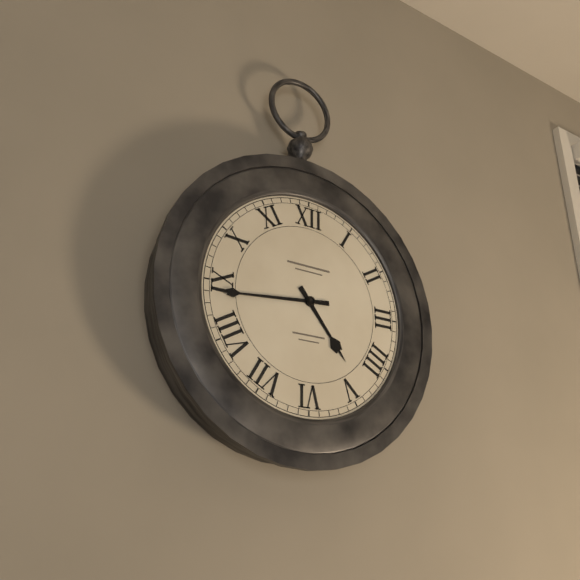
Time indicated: 4,44
